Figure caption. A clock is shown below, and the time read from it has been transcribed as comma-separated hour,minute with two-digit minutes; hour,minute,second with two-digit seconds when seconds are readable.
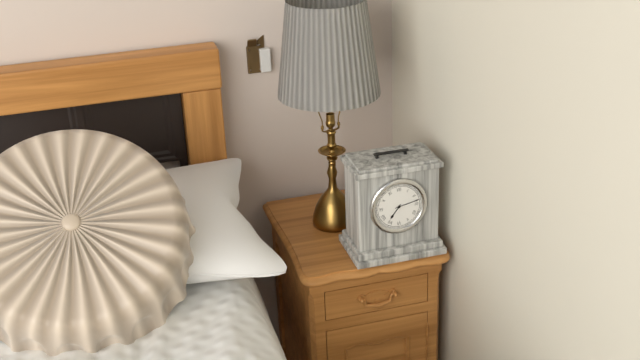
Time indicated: 7,13
